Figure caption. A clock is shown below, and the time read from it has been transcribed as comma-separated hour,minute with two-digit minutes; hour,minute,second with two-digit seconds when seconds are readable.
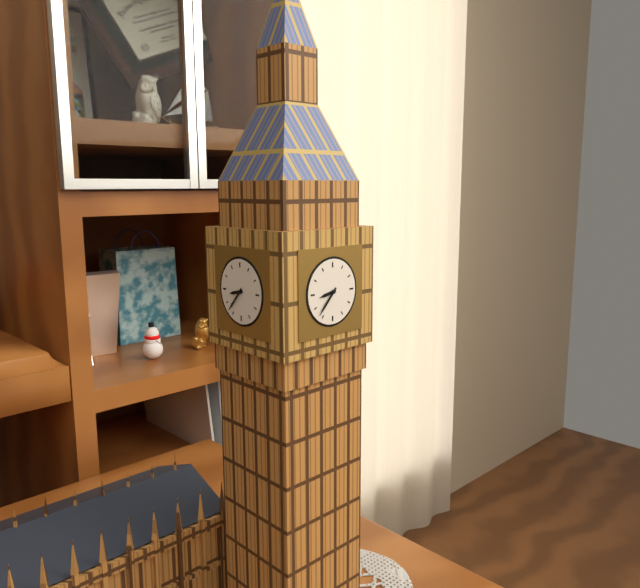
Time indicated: 8,37
